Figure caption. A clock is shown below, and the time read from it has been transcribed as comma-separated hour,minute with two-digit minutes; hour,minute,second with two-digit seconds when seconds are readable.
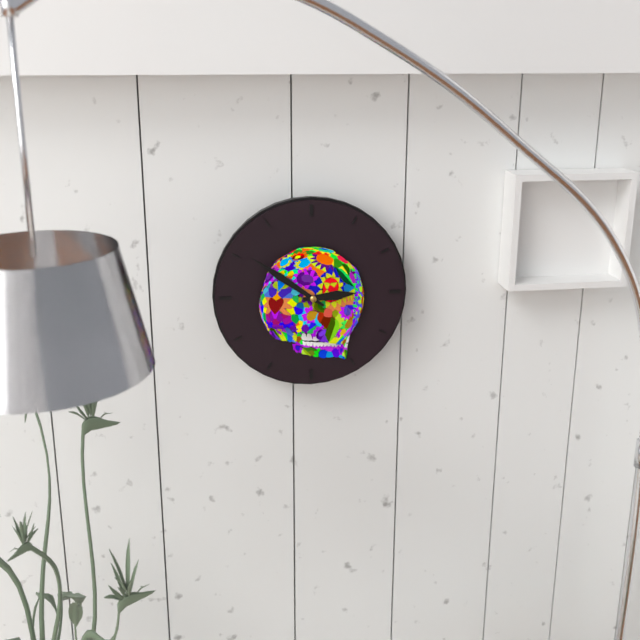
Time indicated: 2,51
